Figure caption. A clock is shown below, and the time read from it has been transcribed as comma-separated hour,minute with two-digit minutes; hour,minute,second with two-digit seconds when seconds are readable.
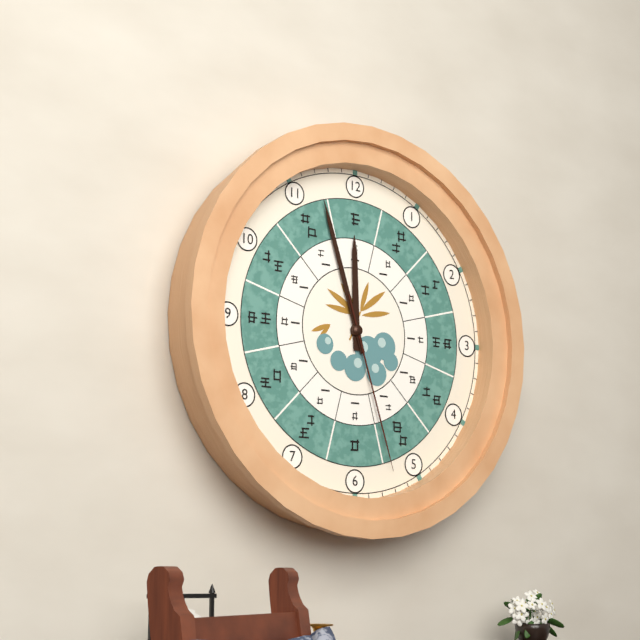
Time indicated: 11,57,27
